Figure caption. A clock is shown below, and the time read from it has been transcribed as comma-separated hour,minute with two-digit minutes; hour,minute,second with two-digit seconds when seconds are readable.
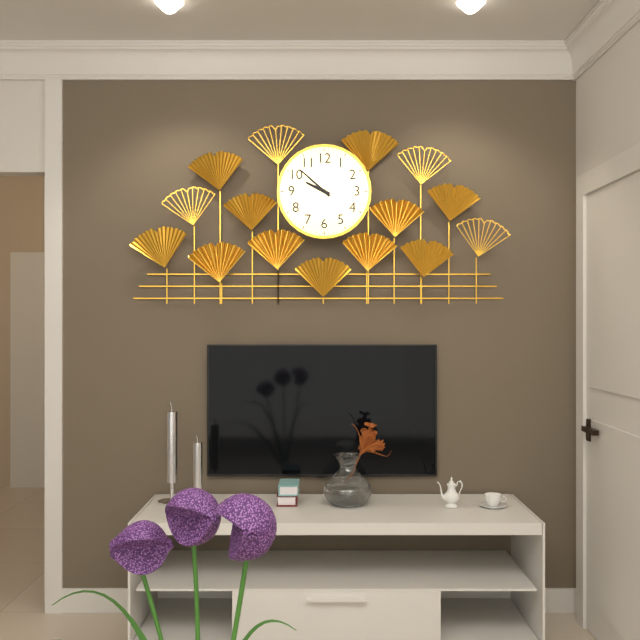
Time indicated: 9,52
